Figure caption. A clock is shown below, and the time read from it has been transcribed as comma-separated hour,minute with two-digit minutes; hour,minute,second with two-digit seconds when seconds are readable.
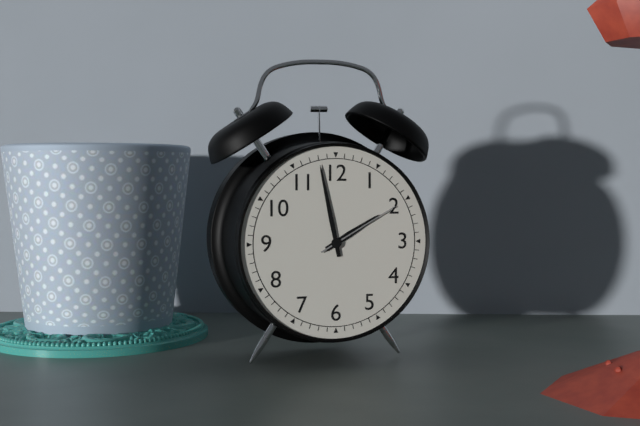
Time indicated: 1,58,10
